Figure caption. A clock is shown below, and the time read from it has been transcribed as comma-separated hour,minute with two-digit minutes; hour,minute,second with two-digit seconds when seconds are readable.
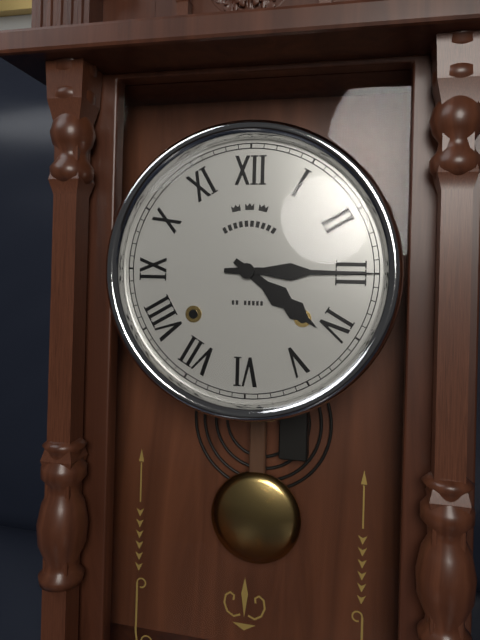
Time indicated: 4,15
